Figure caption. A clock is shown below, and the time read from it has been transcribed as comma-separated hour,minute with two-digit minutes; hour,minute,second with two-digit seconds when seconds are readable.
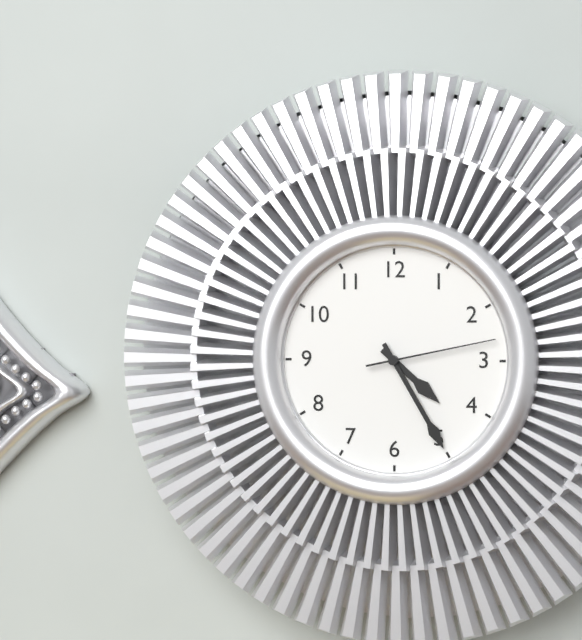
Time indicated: 4,25,13
